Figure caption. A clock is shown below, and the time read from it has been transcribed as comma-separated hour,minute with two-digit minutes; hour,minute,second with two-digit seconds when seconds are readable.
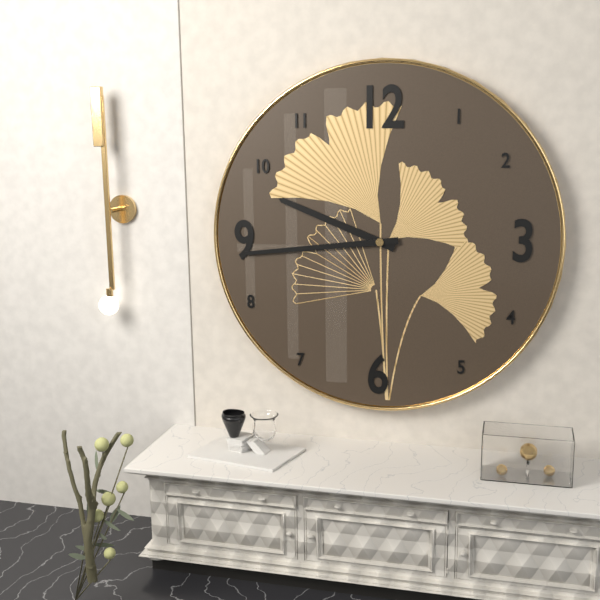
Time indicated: 9,44
